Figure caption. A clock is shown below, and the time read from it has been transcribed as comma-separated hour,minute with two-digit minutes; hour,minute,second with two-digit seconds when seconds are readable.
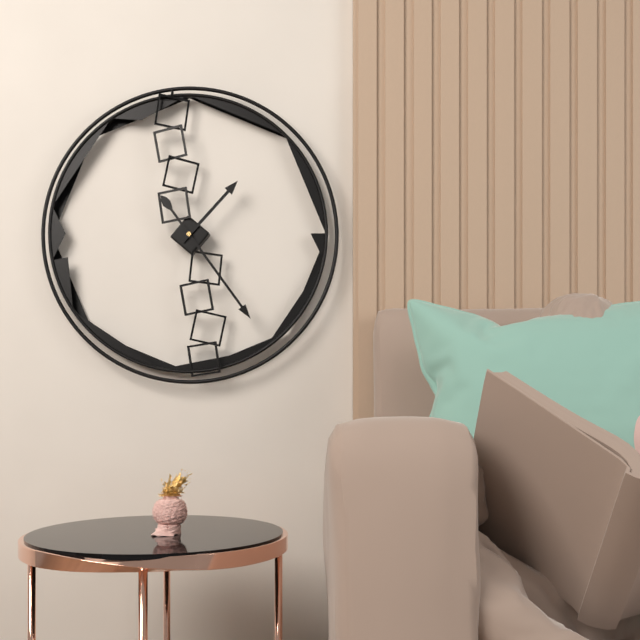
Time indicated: 1,24
